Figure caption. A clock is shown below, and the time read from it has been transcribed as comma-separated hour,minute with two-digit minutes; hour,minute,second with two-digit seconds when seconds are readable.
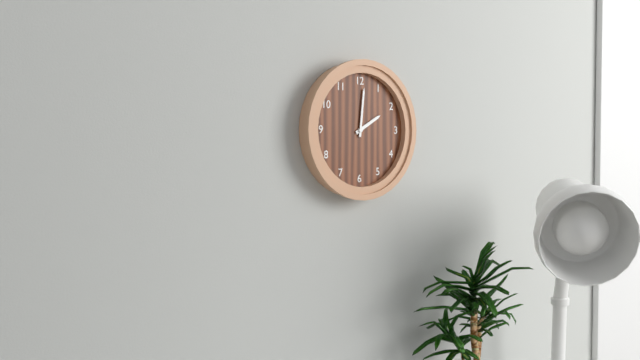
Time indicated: 2,01
